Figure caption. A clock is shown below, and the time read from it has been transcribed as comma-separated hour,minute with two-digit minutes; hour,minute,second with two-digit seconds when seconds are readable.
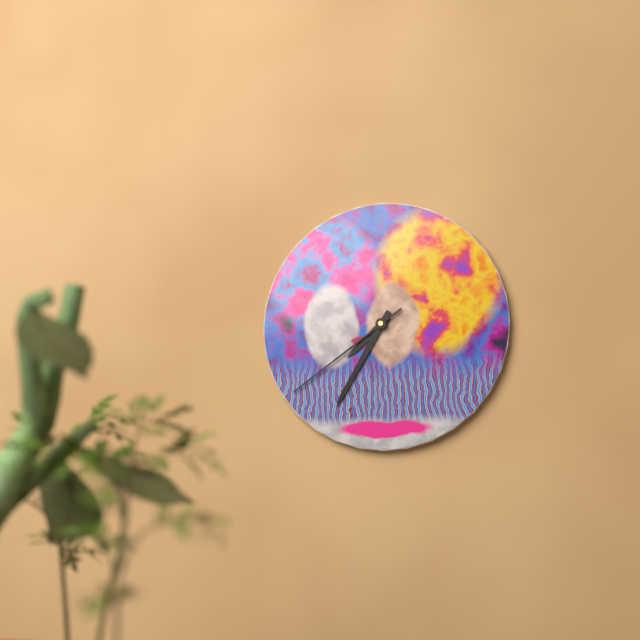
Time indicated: 7,35,39
